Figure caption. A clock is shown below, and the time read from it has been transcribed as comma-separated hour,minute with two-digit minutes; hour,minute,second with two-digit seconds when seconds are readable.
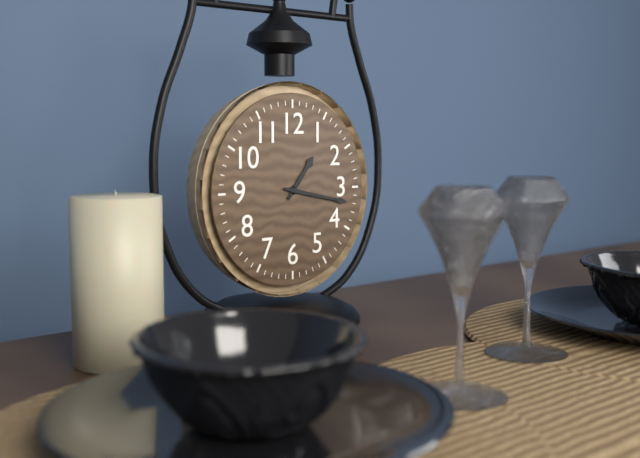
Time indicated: 1,17
